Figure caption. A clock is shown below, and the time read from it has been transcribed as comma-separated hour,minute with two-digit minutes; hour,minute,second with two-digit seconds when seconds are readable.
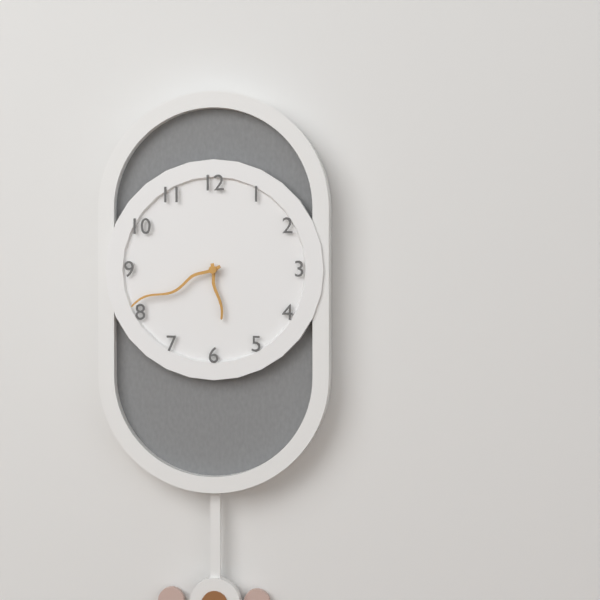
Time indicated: 5,41
